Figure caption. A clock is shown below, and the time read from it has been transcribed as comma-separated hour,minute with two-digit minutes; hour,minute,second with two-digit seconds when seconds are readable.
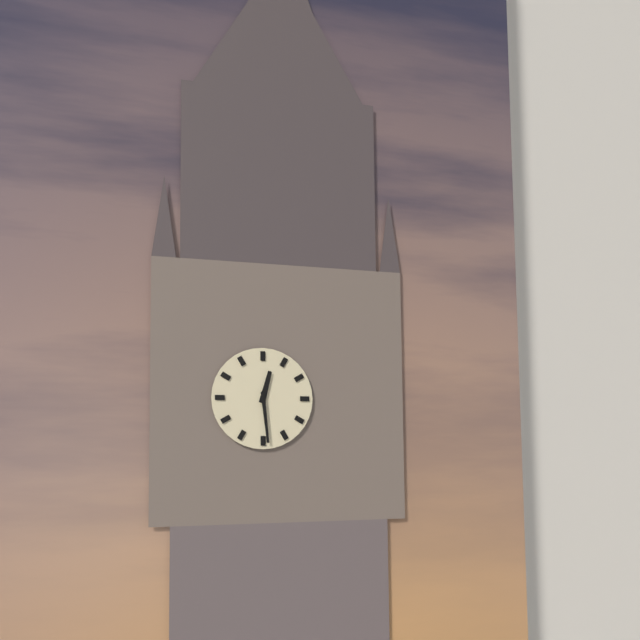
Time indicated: 12,29
